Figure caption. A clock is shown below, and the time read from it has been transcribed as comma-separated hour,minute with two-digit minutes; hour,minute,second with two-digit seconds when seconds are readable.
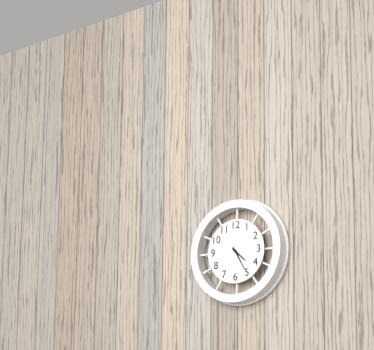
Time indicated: 4,25
